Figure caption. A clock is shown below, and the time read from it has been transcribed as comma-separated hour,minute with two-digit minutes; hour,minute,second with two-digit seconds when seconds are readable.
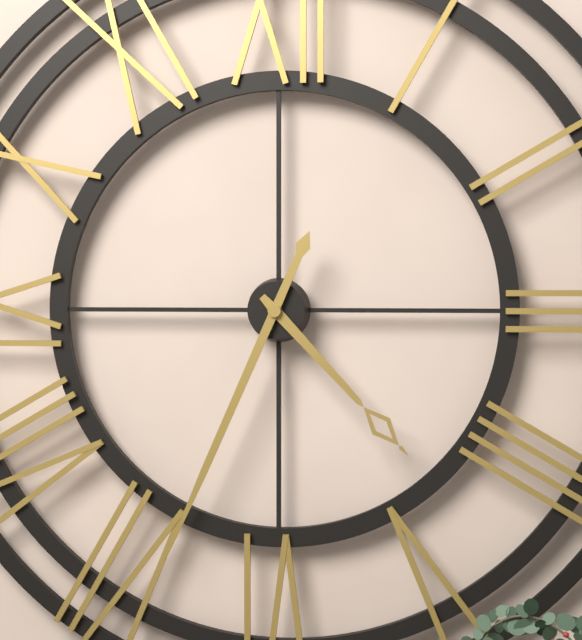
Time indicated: 4,34
